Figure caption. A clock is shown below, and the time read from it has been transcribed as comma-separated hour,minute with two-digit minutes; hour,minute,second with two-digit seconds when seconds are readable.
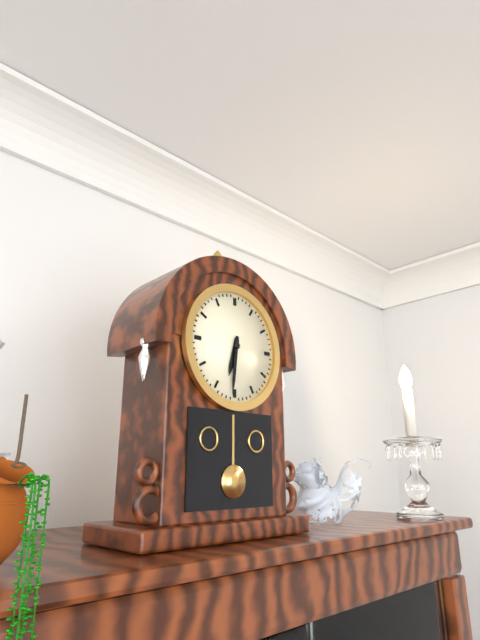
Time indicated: 6,31
